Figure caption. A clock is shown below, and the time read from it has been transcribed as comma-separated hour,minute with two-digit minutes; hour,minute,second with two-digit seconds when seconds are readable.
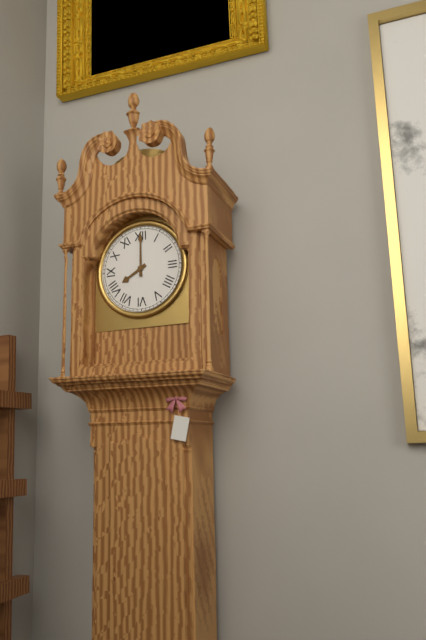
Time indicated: 8,00
